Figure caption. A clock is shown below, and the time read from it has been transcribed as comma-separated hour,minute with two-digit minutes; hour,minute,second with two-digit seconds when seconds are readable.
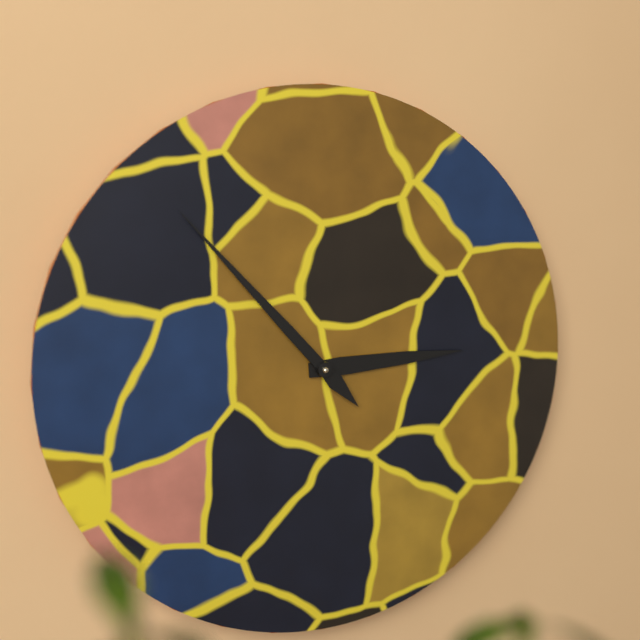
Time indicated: 2,53
